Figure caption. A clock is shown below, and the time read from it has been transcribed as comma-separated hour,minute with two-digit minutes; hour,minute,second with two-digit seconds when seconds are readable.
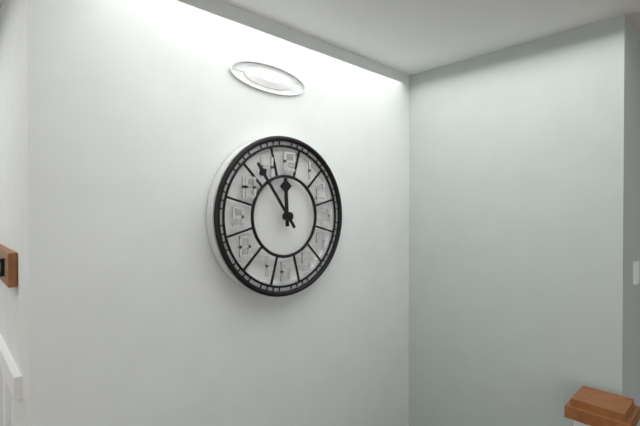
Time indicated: 11,54
